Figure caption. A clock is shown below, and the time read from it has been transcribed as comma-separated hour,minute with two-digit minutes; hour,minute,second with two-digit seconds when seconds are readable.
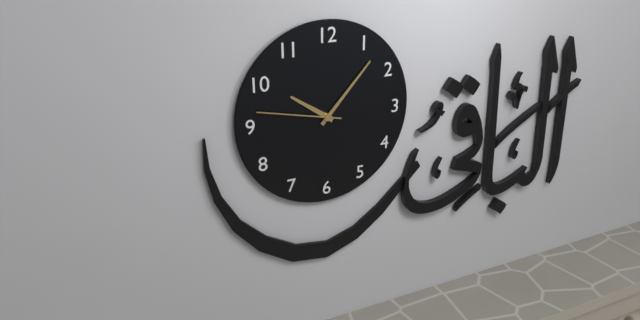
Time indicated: 10,07,47
